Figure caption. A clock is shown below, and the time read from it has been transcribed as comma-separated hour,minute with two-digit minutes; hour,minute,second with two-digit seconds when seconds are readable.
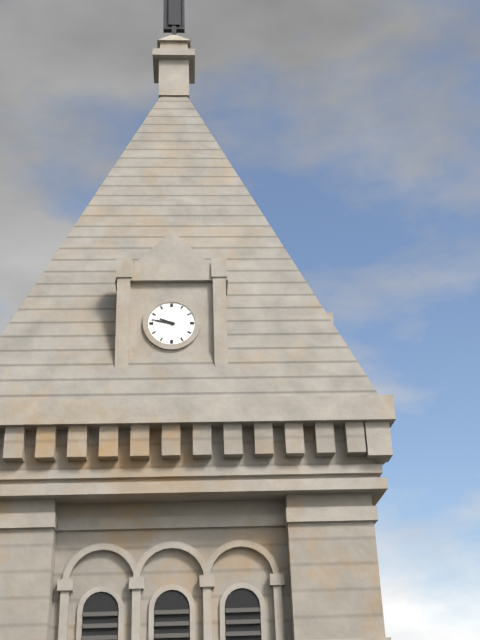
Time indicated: 9,47
